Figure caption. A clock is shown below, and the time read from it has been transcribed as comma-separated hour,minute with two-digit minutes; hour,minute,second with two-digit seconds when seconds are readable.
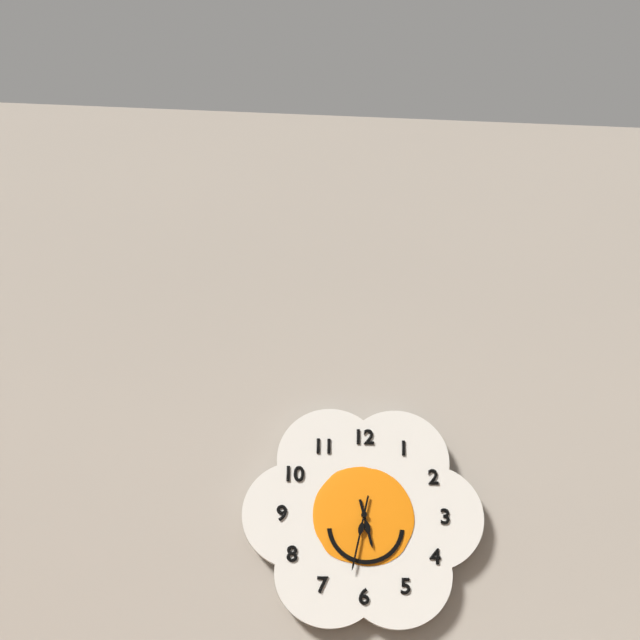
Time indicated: 5,32
